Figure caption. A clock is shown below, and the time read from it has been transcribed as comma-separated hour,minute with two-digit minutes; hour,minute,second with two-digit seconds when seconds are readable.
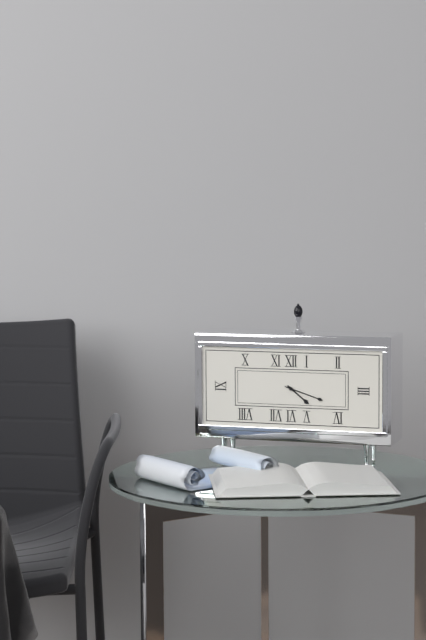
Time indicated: 4,18
